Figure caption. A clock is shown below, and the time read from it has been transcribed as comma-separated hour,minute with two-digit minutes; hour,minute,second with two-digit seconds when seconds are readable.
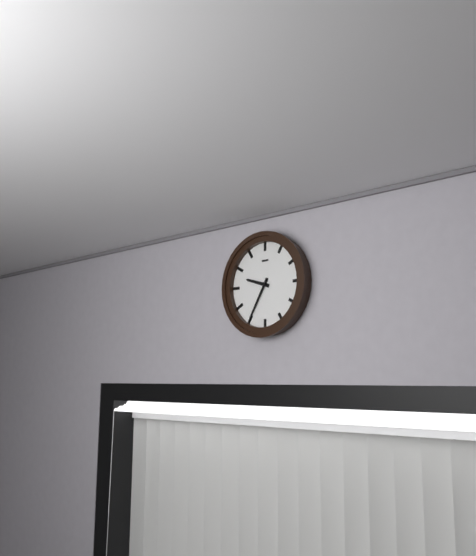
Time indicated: 9,35
